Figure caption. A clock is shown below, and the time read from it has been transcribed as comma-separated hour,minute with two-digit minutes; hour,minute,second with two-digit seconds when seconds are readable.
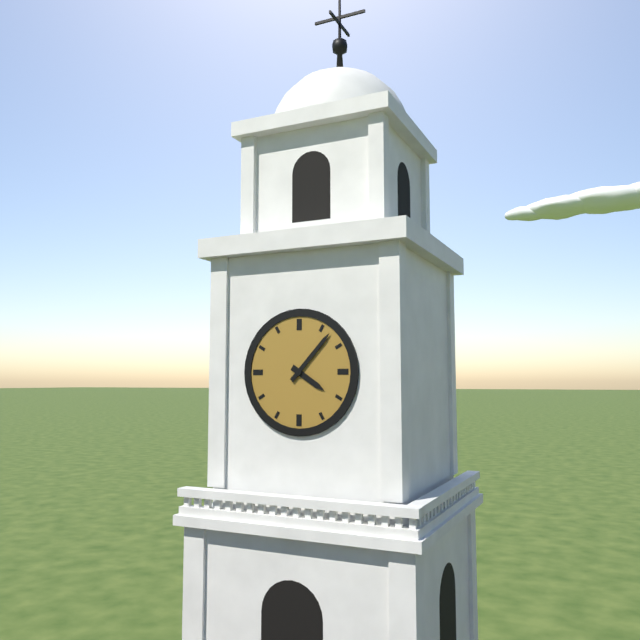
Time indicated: 4,07
